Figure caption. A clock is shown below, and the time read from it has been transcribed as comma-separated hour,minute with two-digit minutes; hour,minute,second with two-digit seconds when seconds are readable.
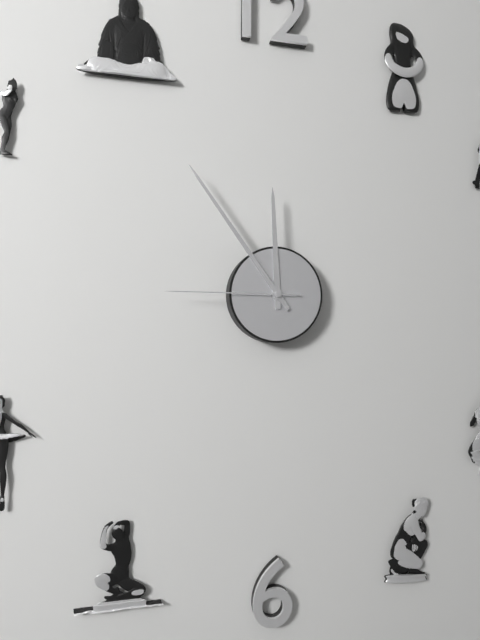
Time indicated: 11,54,45
